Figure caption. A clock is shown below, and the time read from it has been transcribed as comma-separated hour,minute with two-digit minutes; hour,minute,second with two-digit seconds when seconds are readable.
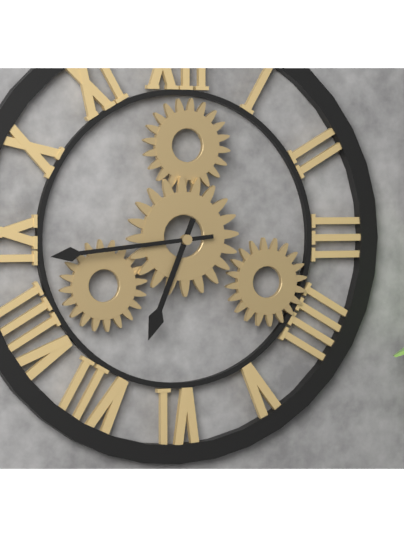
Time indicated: 6,44
